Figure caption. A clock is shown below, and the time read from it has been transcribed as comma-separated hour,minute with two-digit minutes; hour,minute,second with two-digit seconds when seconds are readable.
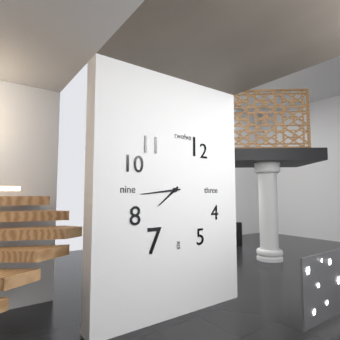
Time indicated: 7,44
